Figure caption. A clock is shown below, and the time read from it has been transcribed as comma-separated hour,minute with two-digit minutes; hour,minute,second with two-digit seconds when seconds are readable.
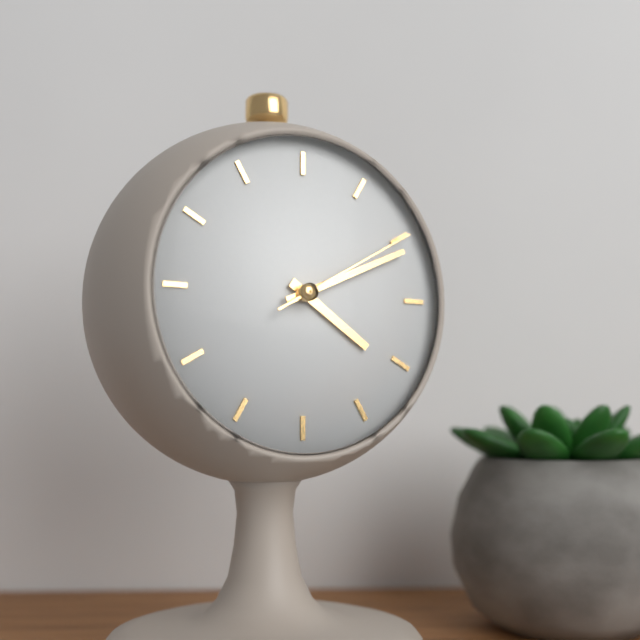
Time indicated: 4,11,10
